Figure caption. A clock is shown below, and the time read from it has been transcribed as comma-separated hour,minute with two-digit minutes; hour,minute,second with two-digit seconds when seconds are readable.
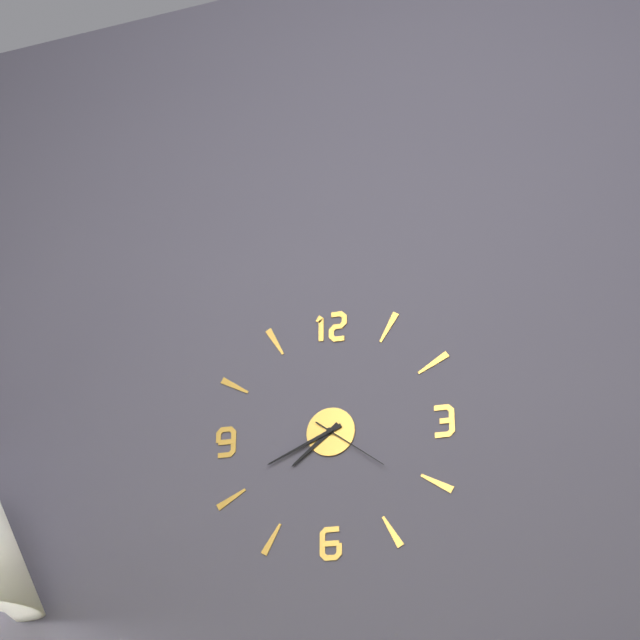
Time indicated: 7,41,21
